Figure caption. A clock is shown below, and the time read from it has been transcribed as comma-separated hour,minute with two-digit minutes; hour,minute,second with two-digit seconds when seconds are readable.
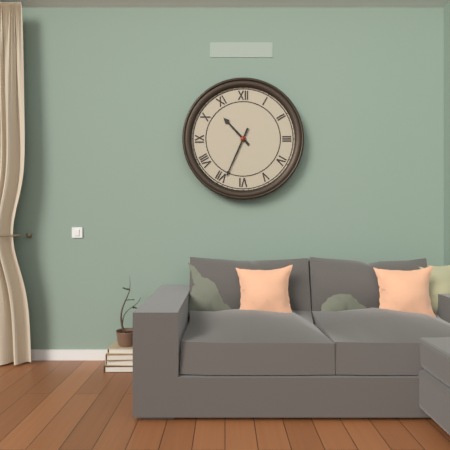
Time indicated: 10,34
